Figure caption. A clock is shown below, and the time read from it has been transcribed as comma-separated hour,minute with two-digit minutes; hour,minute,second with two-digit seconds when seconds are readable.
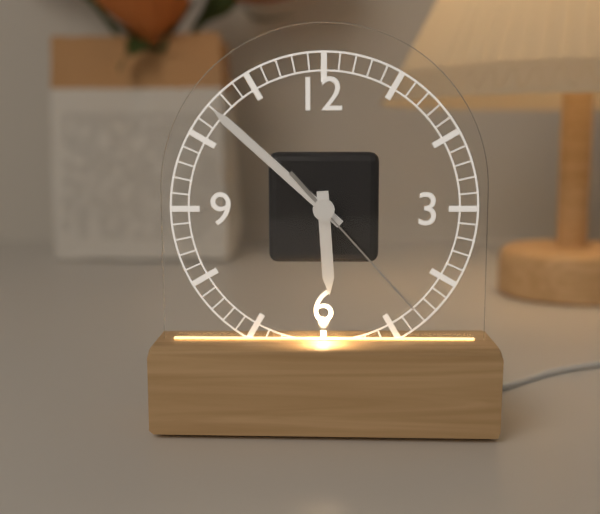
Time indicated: 5,52,23
